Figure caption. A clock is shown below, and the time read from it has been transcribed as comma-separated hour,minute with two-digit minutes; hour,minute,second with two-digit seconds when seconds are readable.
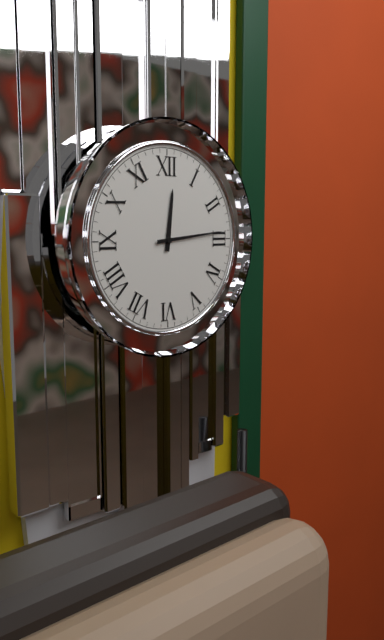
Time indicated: 12,14
